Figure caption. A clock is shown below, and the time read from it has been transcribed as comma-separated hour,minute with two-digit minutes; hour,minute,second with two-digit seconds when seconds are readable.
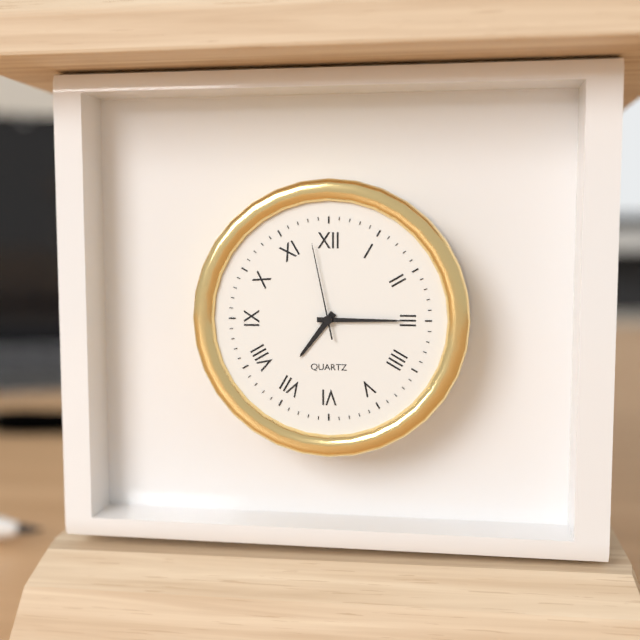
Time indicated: 7,15,58
